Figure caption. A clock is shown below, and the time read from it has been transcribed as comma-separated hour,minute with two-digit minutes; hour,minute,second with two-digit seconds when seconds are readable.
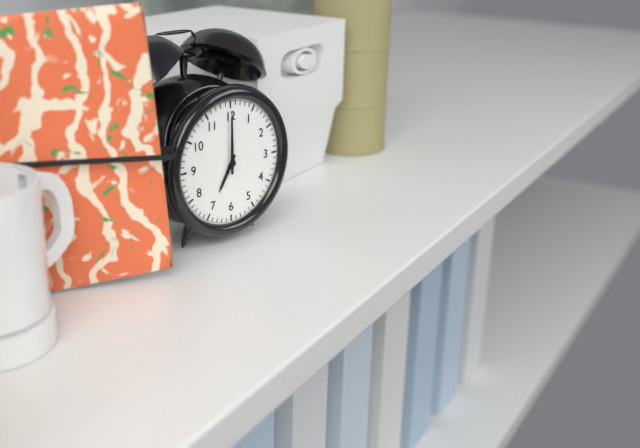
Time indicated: 7,00
